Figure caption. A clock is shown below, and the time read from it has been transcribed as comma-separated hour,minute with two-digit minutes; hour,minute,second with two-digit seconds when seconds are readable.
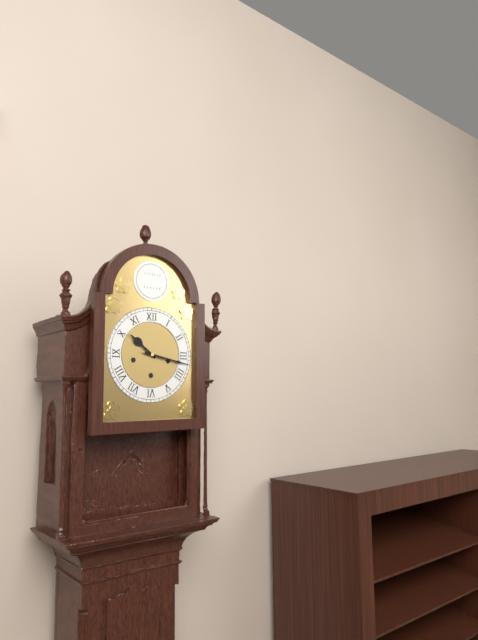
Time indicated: 10,17
